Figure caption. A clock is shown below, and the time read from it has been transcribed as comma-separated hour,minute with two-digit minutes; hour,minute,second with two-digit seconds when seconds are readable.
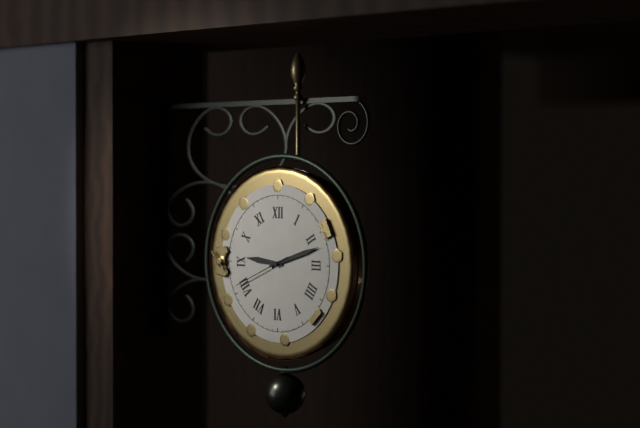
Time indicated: 9,12,41
